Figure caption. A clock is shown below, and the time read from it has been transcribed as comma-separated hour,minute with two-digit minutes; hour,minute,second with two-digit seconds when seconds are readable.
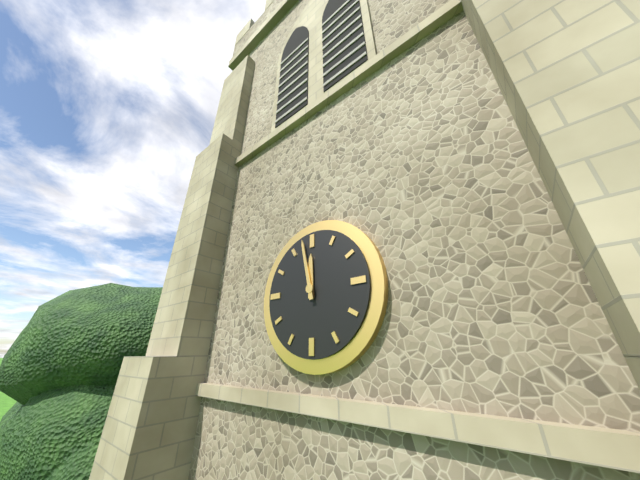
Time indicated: 11,58
